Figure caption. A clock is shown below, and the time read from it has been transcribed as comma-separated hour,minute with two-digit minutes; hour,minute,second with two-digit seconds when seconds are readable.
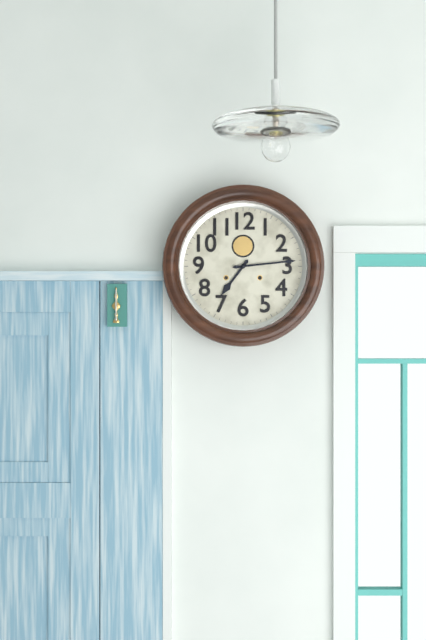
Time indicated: 7,14
